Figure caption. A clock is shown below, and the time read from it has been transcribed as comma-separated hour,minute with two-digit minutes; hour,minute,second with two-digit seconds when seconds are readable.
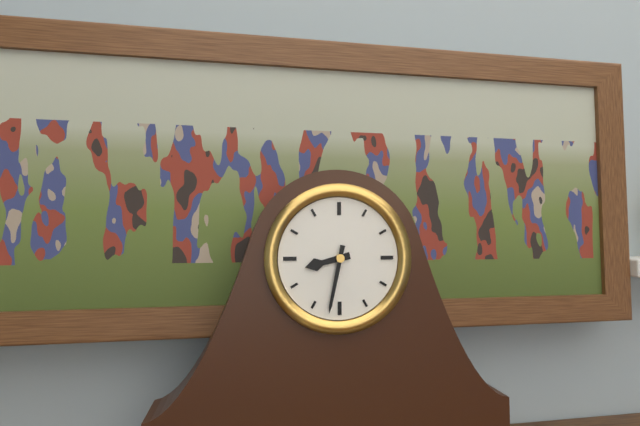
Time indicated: 8,32
